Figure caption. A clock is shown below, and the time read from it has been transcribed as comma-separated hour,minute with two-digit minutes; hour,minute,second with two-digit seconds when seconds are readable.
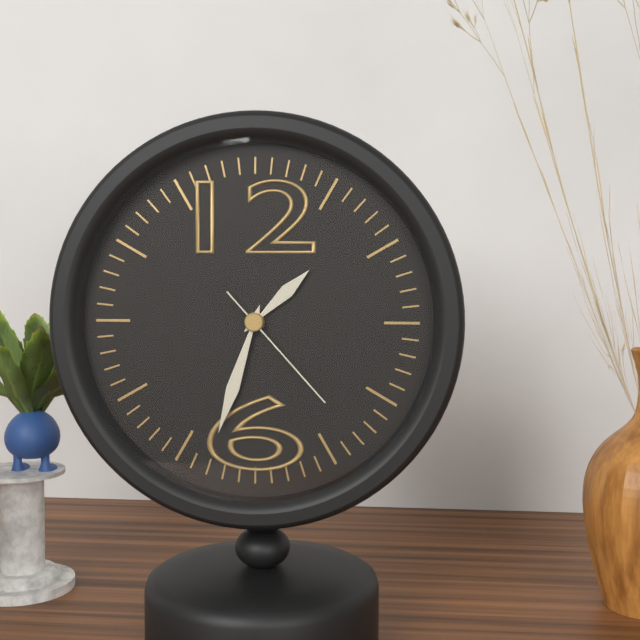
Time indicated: 1,33,23
